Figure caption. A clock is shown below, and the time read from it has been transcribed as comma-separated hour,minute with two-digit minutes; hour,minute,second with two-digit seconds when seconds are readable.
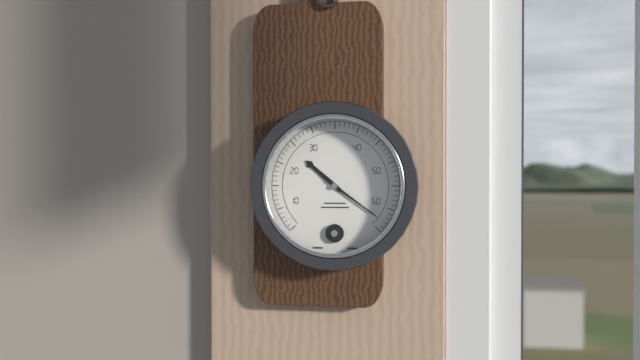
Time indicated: 10,21
